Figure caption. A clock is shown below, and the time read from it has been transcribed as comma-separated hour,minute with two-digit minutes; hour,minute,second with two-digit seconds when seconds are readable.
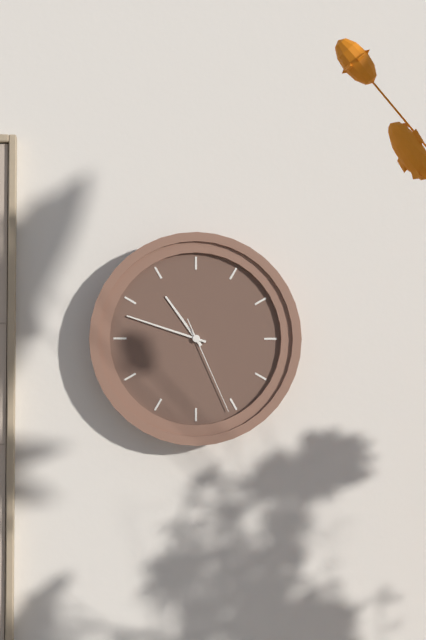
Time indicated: 10,48,26
